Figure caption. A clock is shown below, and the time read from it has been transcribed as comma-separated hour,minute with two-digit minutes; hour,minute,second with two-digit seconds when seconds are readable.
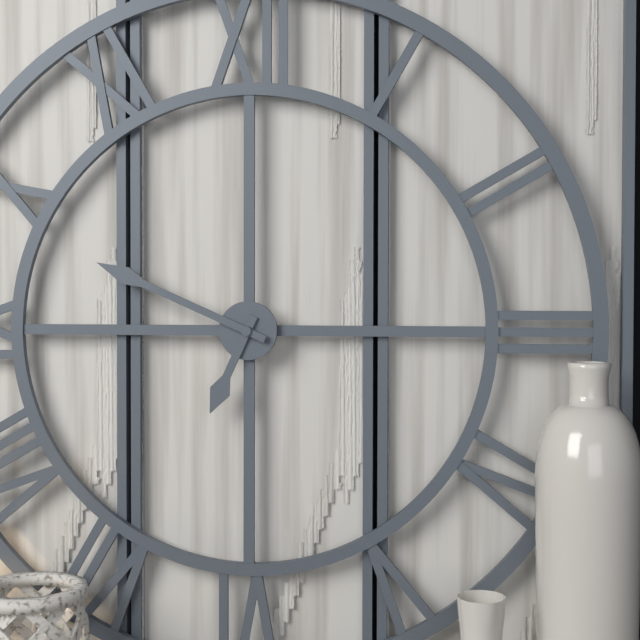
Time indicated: 6,49
